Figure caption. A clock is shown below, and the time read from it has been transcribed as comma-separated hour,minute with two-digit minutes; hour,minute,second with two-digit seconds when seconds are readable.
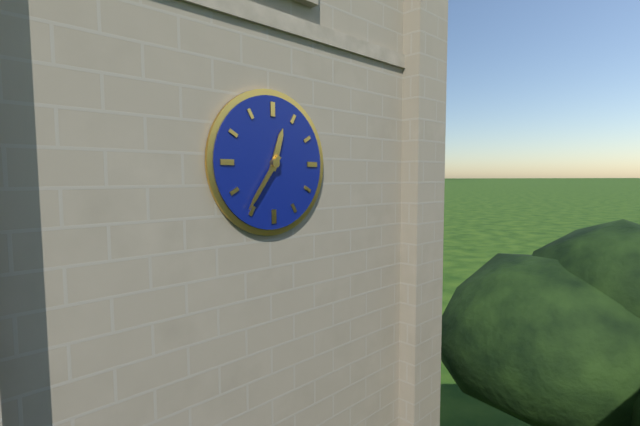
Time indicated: 12,36
